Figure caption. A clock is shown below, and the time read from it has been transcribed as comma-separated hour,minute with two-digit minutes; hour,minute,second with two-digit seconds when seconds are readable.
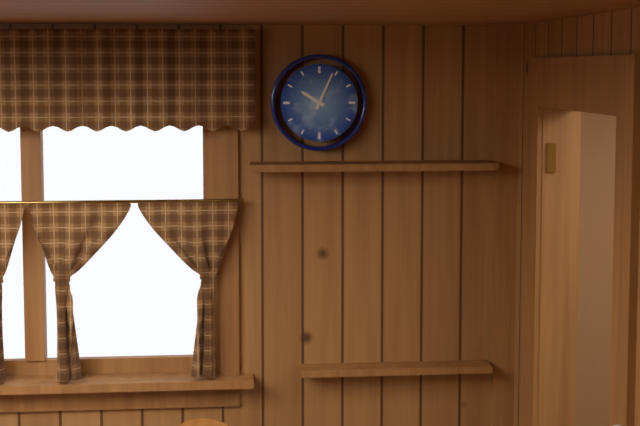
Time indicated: 10,04
